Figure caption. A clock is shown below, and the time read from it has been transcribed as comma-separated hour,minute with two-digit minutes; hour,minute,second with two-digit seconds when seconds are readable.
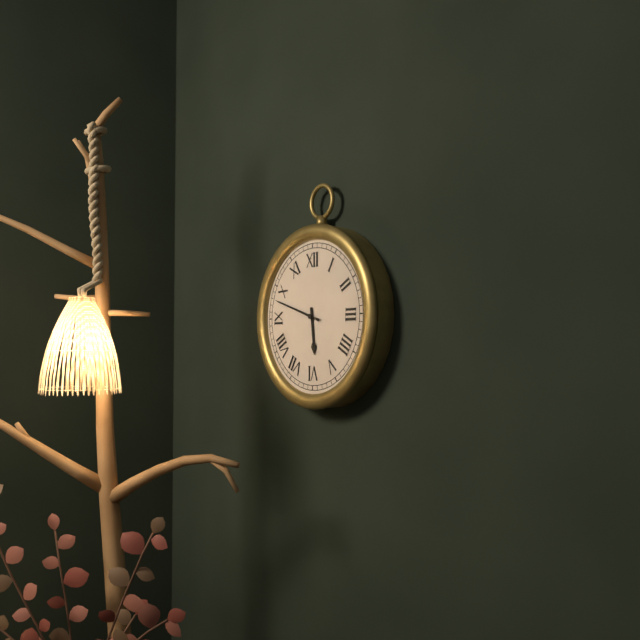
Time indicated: 5,48
